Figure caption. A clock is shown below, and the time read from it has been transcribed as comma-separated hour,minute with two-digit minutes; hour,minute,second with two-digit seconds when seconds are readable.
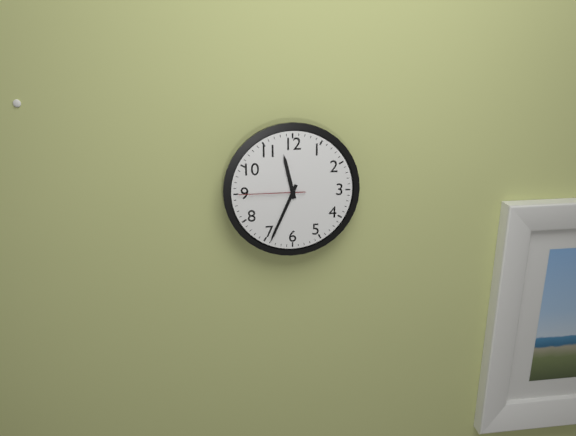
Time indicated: 11,34,45
